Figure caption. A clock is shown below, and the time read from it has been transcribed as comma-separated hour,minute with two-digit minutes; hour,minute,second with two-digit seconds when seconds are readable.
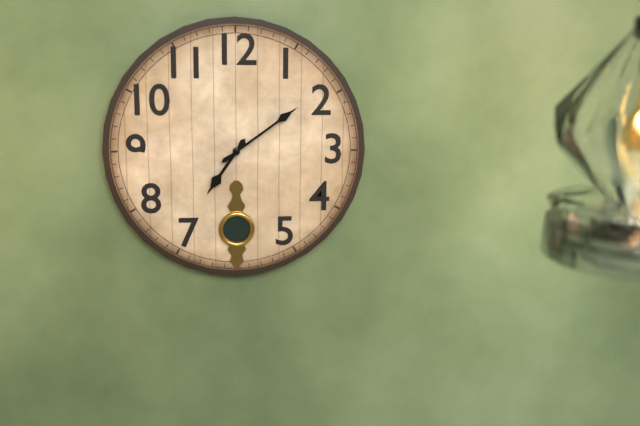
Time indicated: 7,09
